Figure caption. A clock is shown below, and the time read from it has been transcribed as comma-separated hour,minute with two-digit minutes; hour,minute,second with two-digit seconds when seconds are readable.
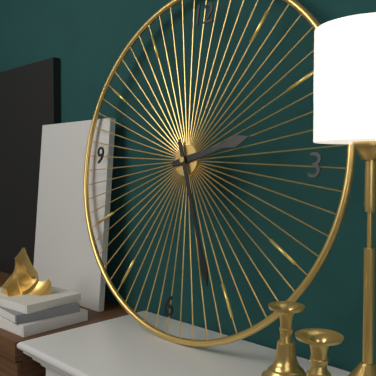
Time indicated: 2,26
